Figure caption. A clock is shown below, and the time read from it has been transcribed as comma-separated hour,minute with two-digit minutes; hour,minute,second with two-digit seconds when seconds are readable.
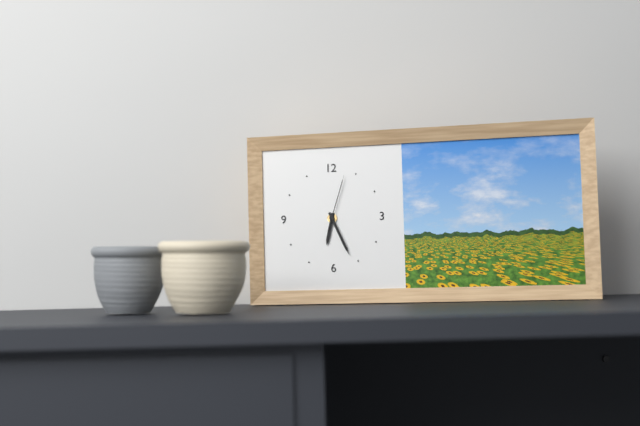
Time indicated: 6,26,03
